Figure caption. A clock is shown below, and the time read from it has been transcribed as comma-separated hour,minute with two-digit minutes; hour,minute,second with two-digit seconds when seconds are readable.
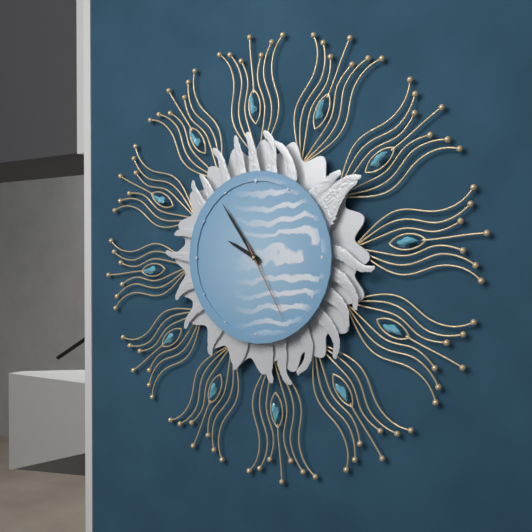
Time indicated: 9,54,25
